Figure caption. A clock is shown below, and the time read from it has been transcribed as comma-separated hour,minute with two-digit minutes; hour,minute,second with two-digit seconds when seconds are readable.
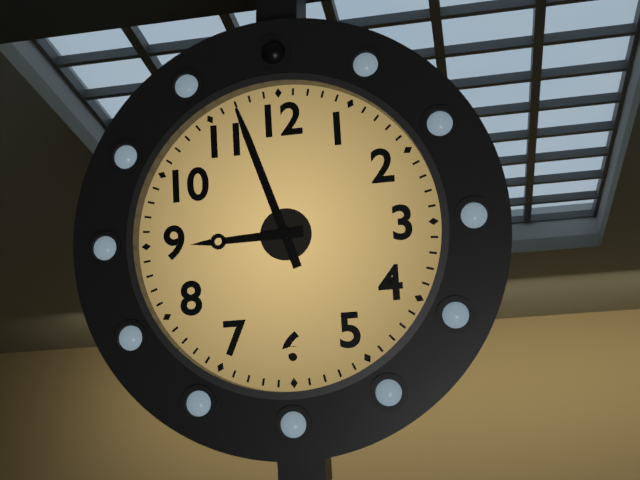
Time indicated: 8,57
